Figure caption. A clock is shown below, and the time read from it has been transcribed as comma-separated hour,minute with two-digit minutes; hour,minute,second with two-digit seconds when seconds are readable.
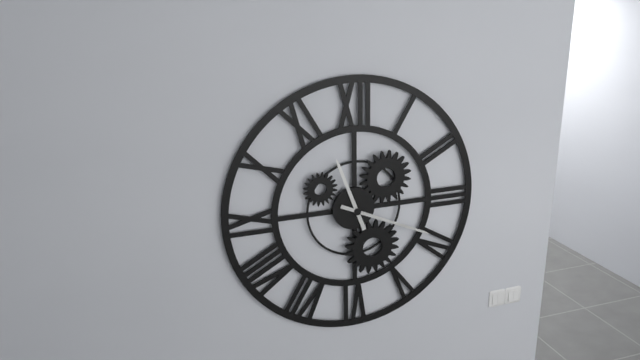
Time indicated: 11,19
